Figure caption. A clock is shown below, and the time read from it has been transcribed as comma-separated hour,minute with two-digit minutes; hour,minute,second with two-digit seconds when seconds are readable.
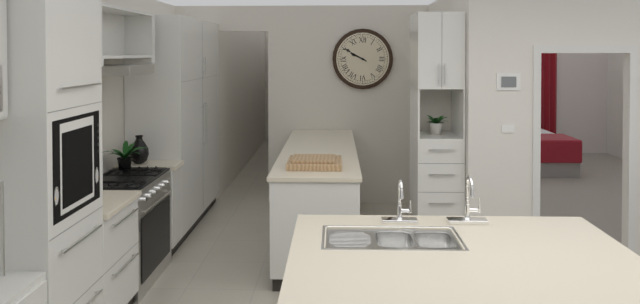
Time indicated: 9,50
